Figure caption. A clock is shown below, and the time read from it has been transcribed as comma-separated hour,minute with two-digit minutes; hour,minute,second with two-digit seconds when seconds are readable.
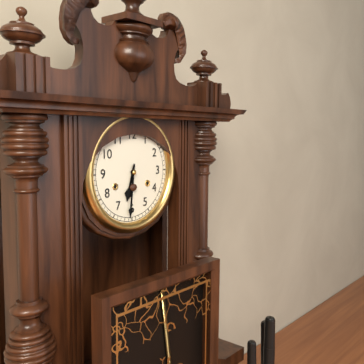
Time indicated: 6,31
